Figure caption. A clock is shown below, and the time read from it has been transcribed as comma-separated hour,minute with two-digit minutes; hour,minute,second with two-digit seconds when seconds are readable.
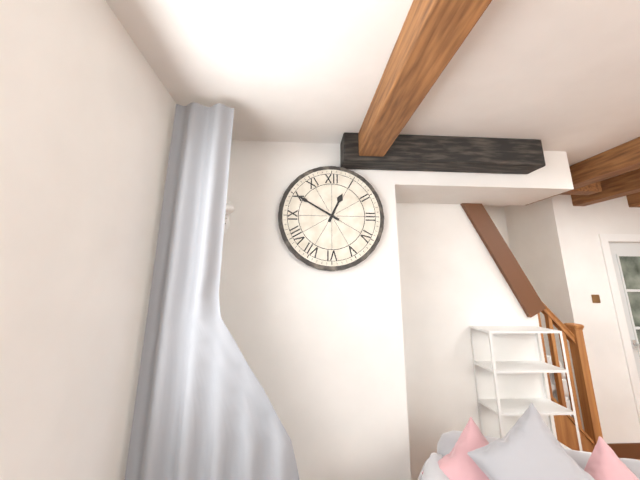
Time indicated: 12,50
